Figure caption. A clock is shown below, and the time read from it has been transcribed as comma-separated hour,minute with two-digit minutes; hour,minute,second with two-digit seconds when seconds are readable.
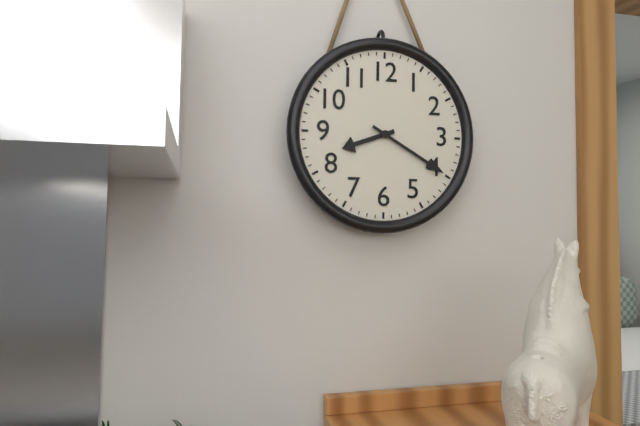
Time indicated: 8,20
